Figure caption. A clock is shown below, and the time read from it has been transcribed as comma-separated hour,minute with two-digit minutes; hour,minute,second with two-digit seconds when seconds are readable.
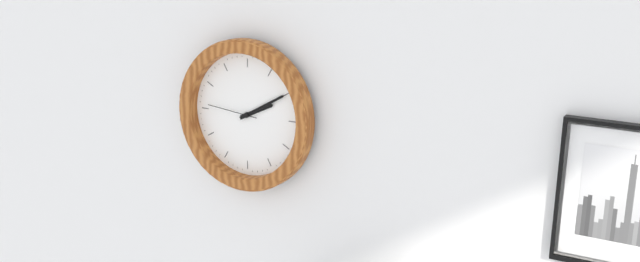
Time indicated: 2,10
